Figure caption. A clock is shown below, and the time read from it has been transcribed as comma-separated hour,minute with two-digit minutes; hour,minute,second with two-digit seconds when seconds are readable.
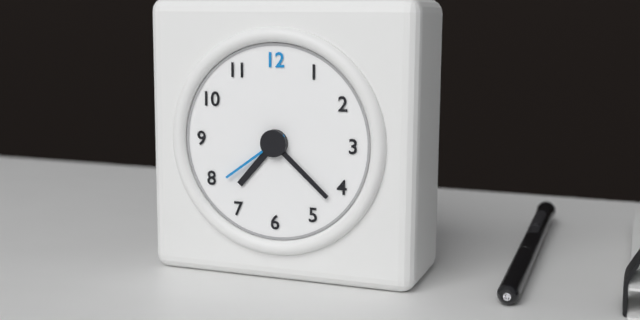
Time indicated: 7,22,39
